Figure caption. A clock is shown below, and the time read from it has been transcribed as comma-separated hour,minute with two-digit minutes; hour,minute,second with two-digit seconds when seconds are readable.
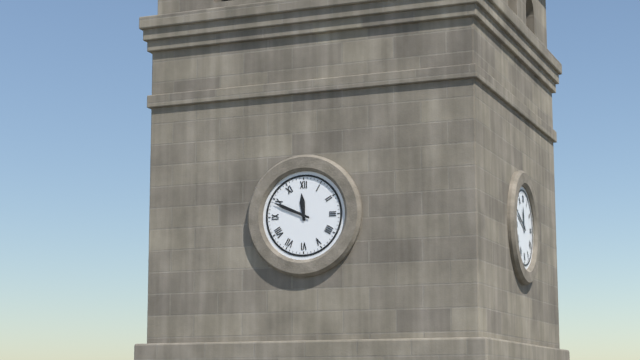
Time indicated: 11,49
